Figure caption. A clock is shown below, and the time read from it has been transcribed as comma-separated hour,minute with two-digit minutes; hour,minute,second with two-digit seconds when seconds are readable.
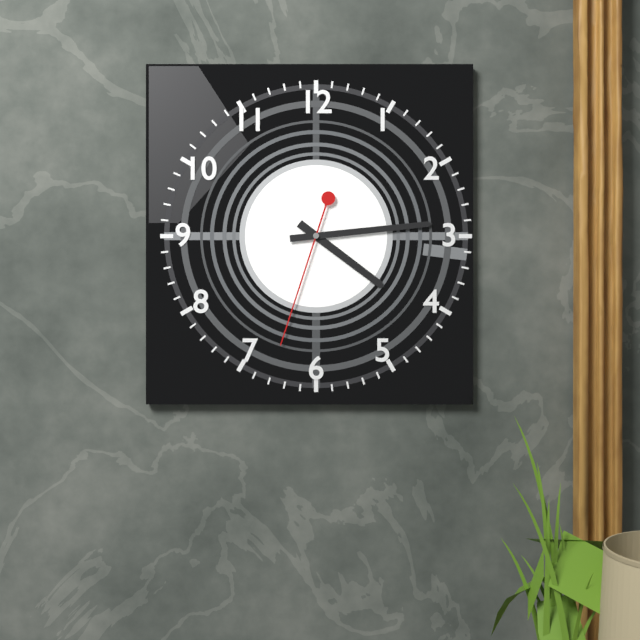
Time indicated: 4,14,33
